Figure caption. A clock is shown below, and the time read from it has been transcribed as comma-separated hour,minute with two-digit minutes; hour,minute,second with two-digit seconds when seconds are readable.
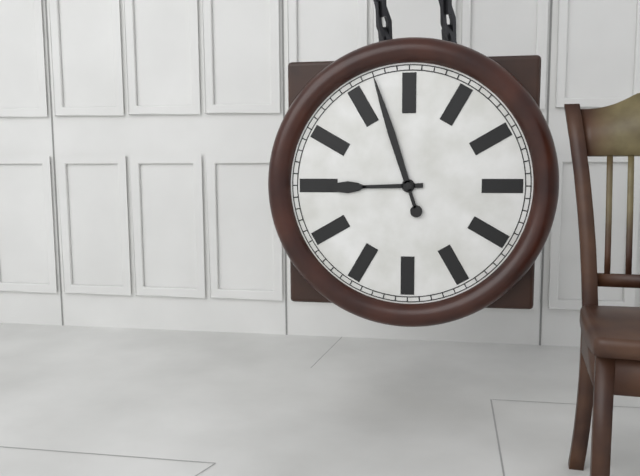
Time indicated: 8,57
